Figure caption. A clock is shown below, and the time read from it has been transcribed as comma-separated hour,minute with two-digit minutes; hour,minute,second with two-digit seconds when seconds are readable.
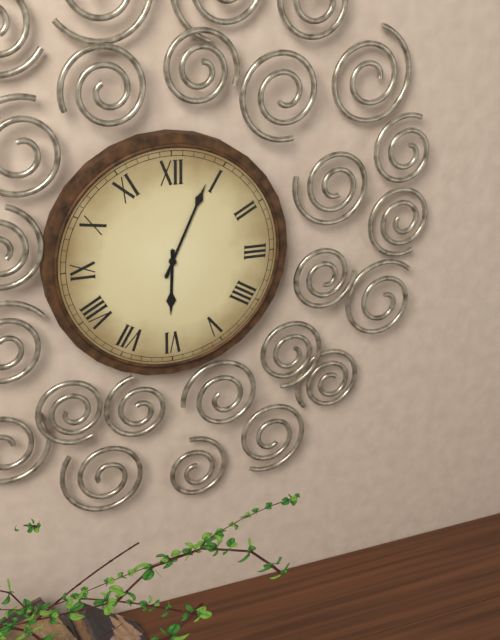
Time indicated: 6,04
